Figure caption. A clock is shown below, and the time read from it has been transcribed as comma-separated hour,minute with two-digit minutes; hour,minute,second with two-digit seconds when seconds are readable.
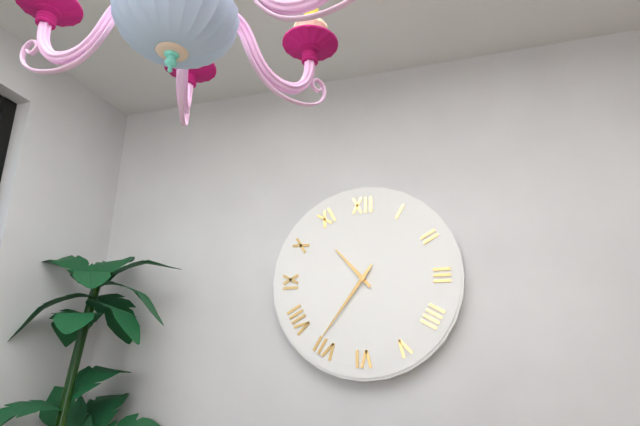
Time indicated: 10,36
